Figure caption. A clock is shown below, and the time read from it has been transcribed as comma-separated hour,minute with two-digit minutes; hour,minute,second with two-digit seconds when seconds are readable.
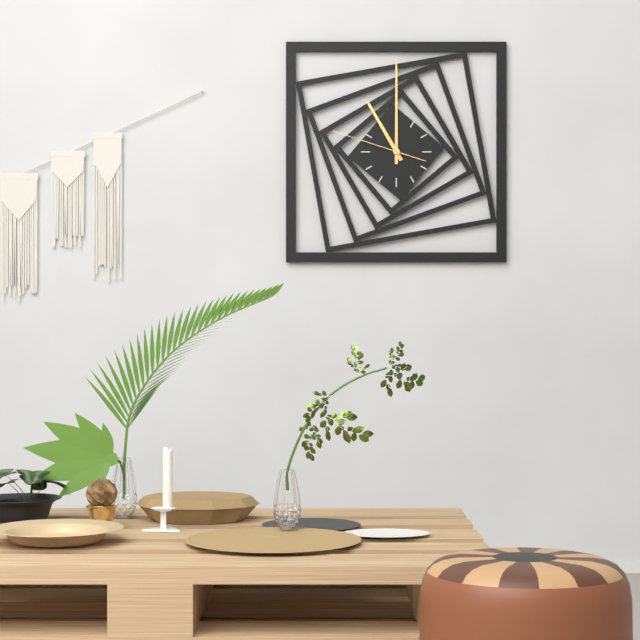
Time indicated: 11,00,48
